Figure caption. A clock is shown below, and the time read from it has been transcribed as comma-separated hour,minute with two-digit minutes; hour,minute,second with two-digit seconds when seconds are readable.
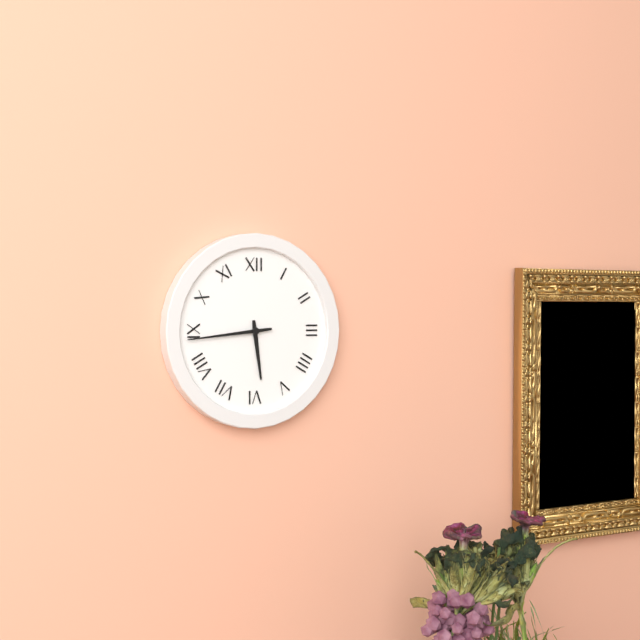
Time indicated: 5,44
